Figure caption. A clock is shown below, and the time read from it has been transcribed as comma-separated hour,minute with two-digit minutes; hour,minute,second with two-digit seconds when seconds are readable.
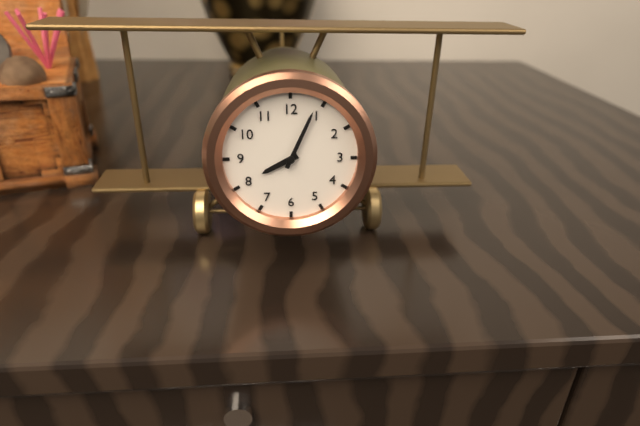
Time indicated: 8,04
